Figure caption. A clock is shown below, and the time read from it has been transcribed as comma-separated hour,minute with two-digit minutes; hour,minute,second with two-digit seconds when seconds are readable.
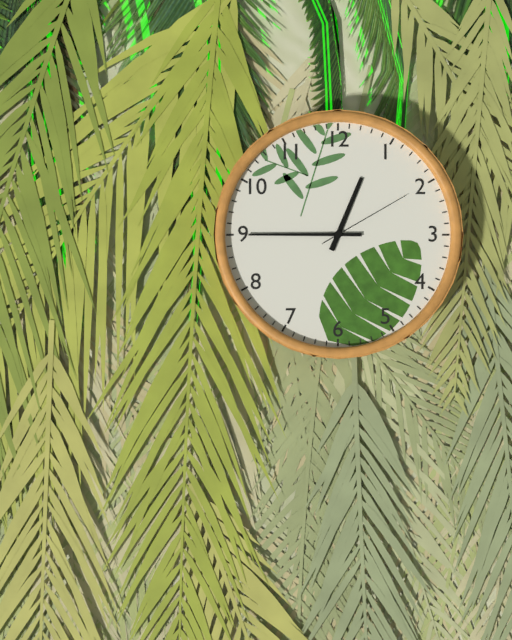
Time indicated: 12,45,10
